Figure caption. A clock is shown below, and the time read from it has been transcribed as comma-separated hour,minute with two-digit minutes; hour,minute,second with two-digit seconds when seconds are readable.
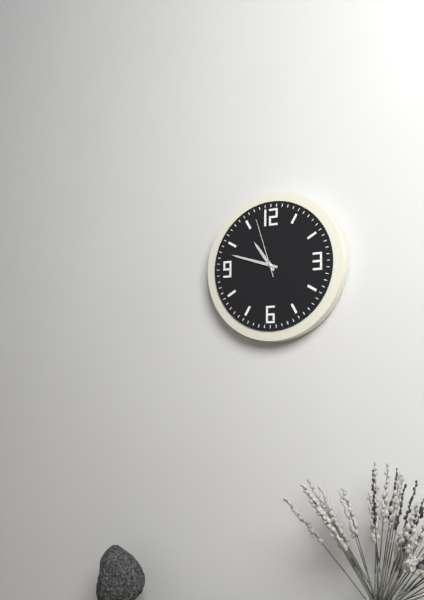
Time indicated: 10,48,57
